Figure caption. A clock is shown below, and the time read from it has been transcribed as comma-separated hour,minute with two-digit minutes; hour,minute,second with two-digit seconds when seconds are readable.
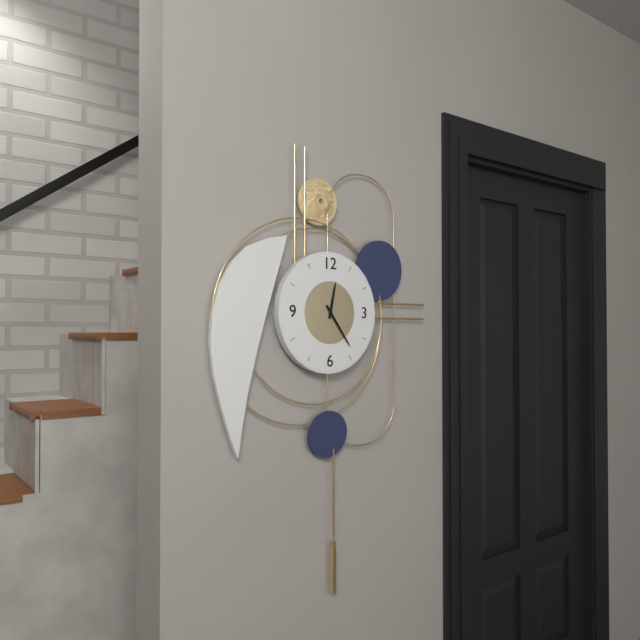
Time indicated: 12,24
